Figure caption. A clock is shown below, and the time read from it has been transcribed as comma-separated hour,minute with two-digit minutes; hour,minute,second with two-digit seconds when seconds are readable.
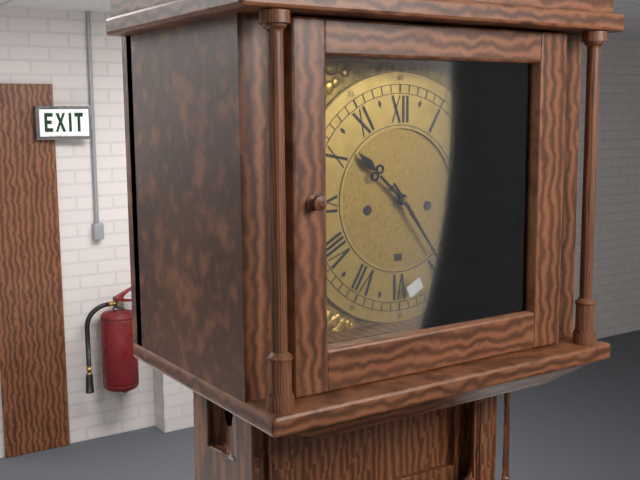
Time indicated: 10,24
